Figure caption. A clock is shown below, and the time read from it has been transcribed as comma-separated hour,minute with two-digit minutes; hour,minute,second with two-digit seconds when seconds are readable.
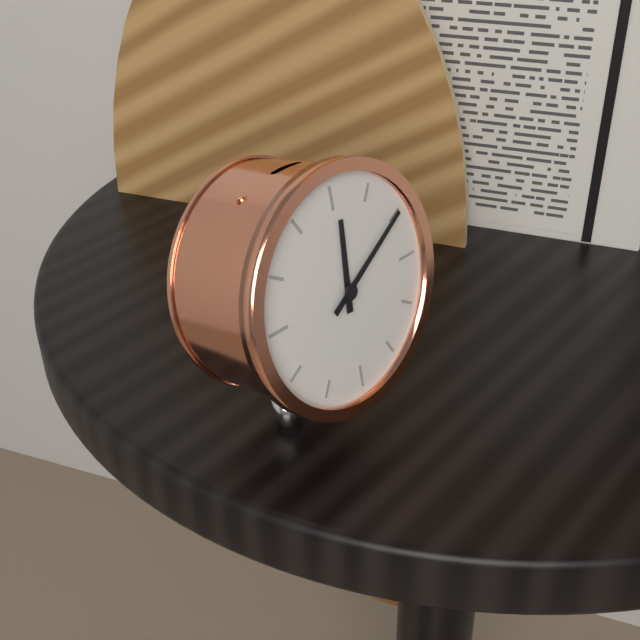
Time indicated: 12,10
